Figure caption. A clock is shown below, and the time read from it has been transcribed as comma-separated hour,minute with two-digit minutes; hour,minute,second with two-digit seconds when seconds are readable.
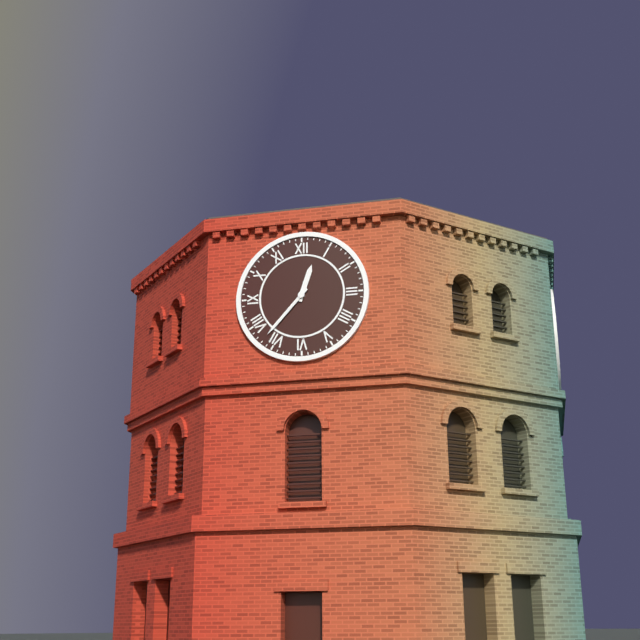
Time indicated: 12,37
